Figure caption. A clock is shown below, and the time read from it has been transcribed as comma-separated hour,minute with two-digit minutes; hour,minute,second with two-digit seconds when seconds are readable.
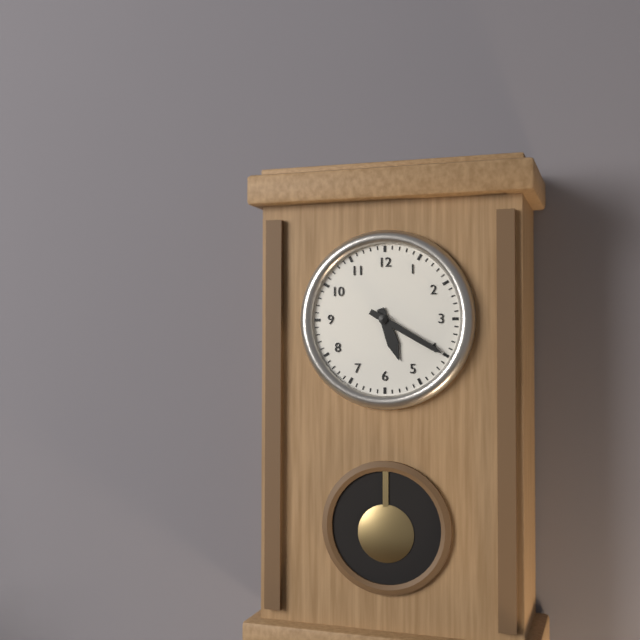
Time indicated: 5,20
